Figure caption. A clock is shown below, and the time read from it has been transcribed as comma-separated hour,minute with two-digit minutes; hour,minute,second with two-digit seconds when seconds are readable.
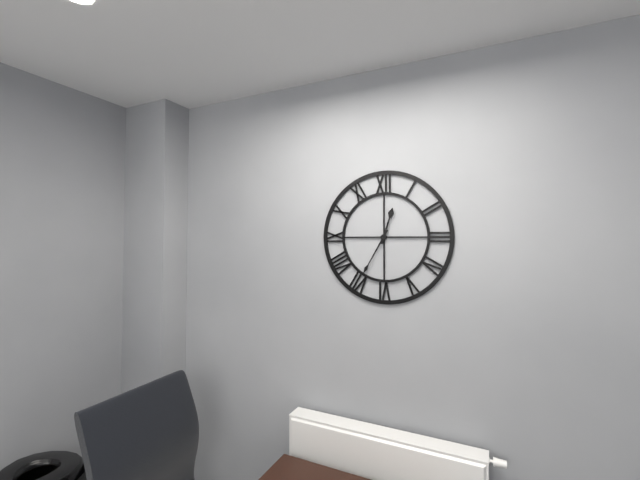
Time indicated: 12,35
